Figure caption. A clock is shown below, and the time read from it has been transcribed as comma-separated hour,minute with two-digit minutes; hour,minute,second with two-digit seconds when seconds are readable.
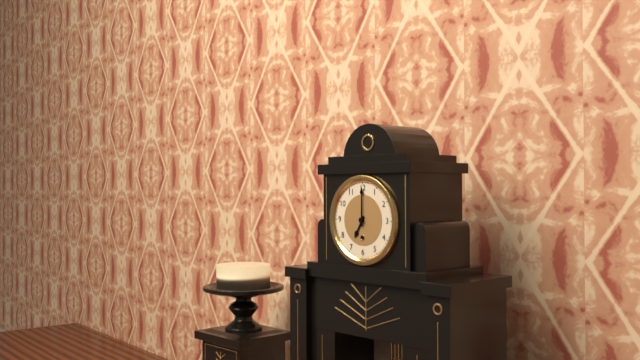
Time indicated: 7,00
